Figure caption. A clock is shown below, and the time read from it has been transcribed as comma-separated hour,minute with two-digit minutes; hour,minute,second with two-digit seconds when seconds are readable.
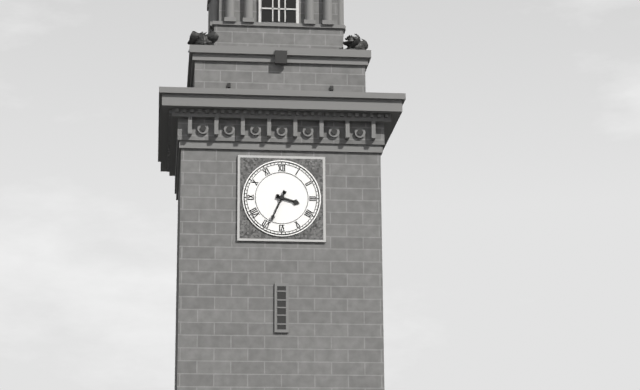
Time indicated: 3,34
